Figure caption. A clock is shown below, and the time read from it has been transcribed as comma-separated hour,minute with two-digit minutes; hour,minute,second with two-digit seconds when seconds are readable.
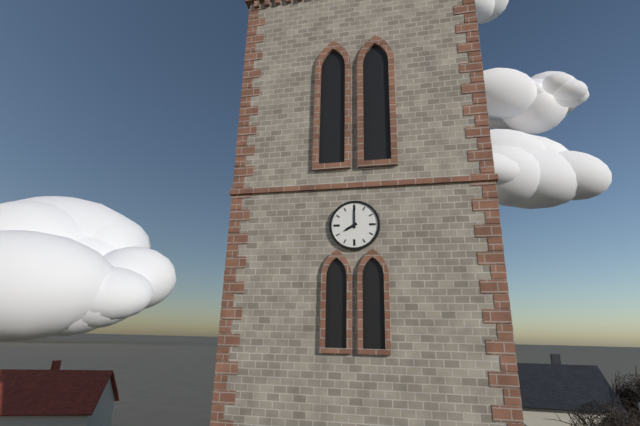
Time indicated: 8,00
